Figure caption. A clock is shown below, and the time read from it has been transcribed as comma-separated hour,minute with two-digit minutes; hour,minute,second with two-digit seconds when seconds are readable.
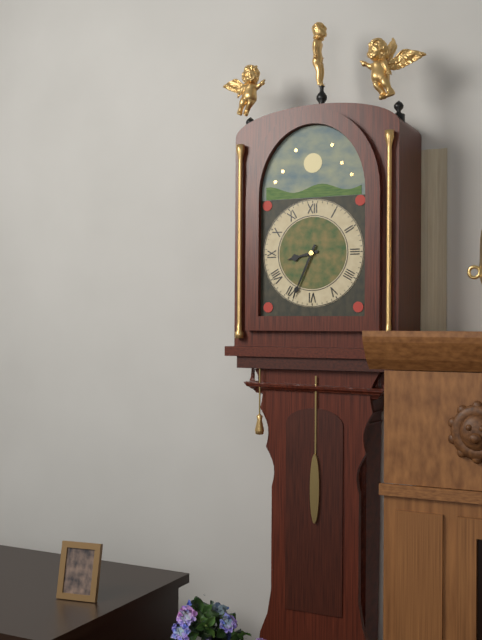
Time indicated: 8,34
